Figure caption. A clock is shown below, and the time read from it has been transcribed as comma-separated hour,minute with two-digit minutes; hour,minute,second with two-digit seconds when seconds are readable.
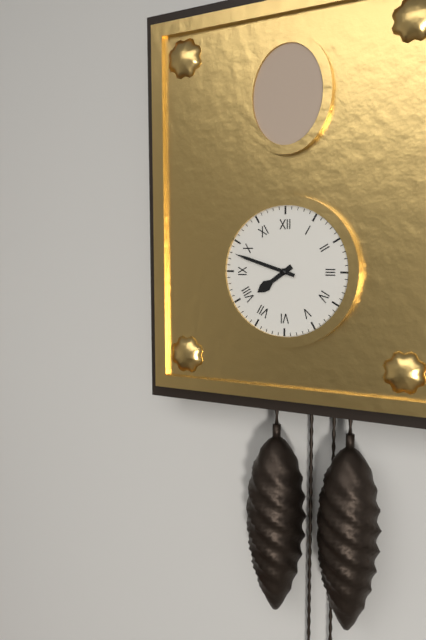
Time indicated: 7,48
